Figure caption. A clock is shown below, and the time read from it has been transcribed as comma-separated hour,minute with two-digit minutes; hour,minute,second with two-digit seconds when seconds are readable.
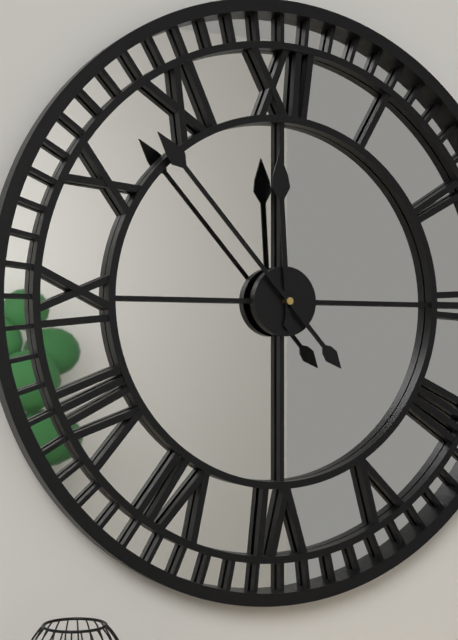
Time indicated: 11,53
